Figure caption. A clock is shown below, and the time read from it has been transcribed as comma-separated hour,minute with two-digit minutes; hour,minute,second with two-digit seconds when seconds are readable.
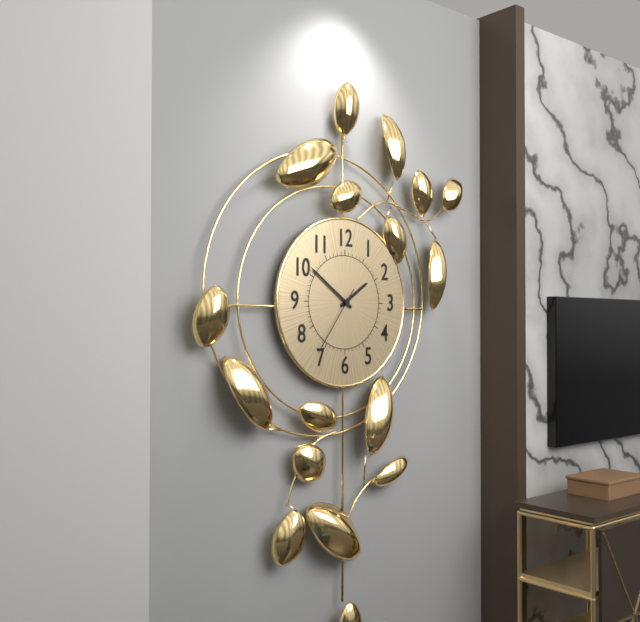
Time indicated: 1,51,36
